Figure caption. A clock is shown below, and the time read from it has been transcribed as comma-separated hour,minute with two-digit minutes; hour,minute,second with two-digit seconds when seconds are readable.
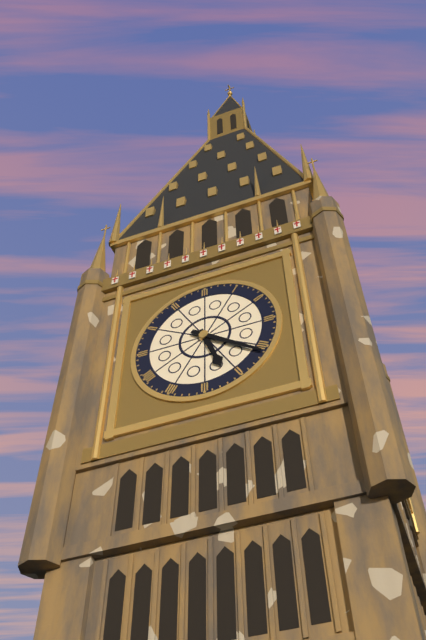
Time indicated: 5,21
